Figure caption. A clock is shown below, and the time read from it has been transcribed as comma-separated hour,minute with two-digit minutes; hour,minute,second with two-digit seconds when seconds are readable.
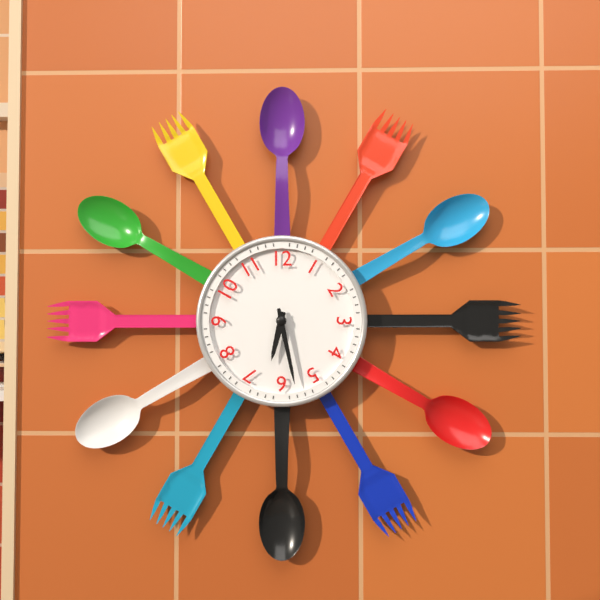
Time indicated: 6,28
